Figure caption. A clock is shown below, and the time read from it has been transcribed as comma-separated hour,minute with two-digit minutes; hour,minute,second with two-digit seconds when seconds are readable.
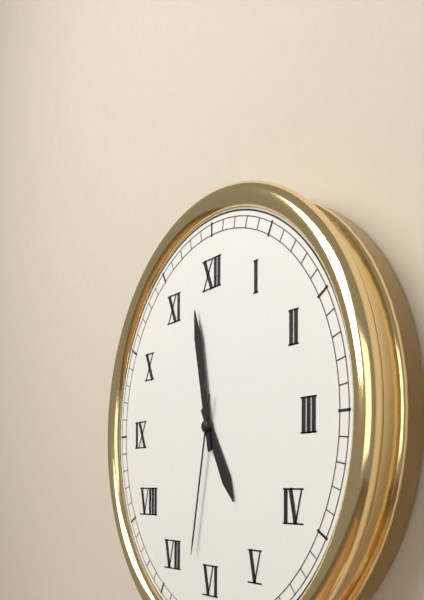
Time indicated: 4,58,32
